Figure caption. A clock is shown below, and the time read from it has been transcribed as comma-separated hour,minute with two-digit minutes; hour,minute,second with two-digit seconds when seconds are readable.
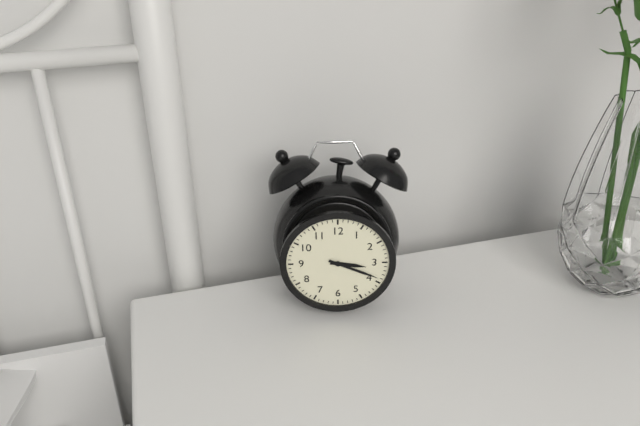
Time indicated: 3,19
